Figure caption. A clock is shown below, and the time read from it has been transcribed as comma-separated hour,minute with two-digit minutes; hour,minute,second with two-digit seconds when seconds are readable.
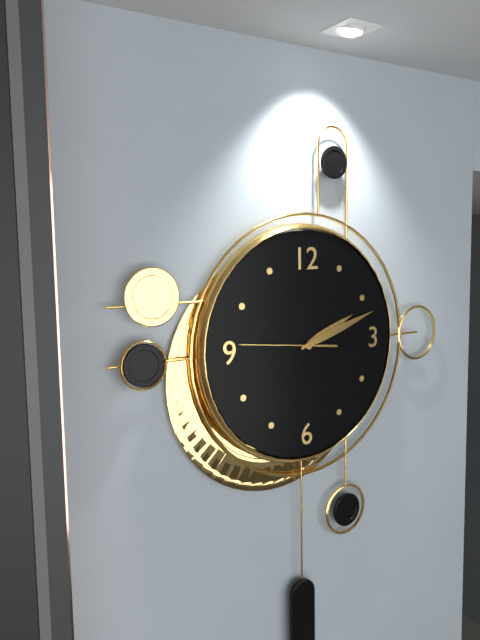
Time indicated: 2,12,46
